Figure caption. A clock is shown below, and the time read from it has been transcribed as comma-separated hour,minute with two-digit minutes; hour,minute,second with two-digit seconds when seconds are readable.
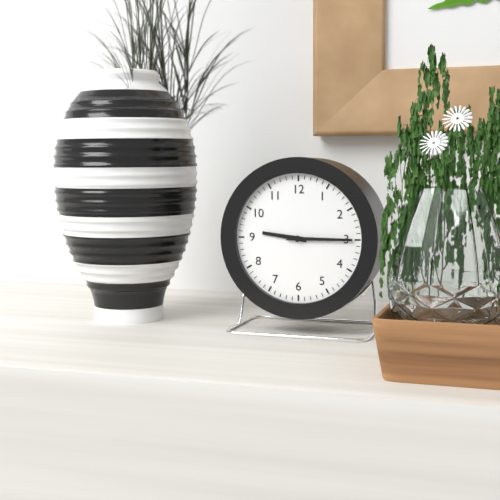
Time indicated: 9,15
